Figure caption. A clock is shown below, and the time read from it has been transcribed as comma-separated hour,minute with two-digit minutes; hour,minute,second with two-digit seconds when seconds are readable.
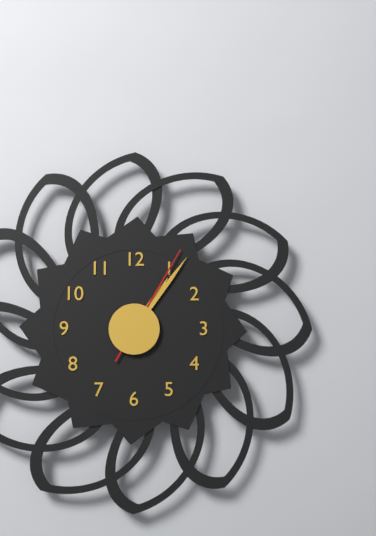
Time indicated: 1,06,05
